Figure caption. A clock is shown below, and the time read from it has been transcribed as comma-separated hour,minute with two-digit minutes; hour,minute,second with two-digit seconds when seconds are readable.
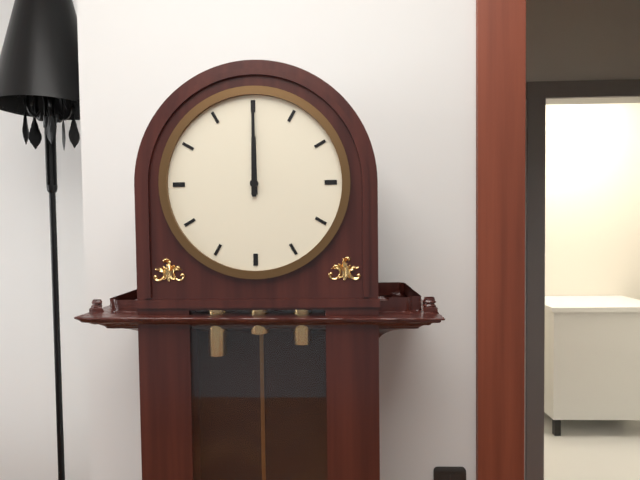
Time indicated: 12,00
